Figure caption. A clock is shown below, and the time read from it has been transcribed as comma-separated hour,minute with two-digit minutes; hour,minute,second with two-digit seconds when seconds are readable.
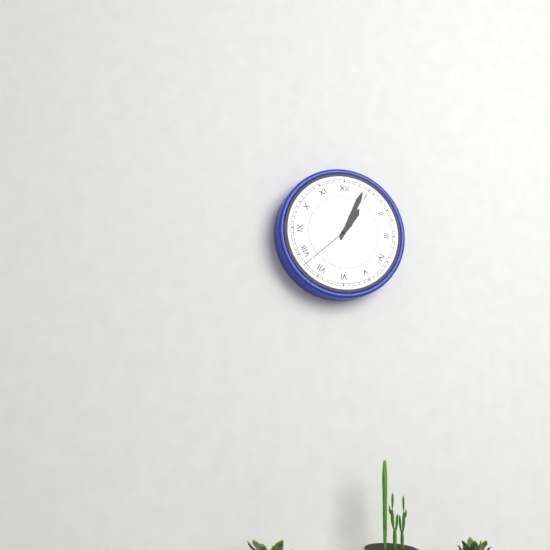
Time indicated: 1,04,38
